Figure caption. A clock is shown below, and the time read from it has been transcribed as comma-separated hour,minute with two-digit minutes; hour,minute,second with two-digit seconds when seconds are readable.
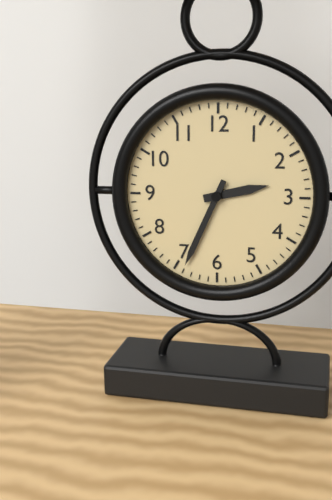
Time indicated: 2,34
